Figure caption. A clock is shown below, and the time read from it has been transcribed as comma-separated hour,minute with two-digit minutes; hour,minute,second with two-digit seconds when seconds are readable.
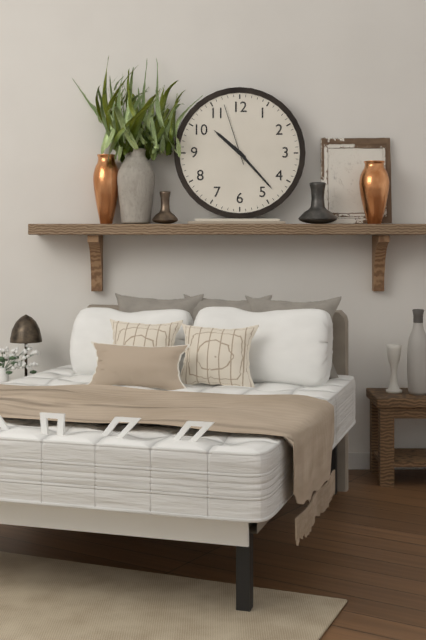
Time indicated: 10,23,57
